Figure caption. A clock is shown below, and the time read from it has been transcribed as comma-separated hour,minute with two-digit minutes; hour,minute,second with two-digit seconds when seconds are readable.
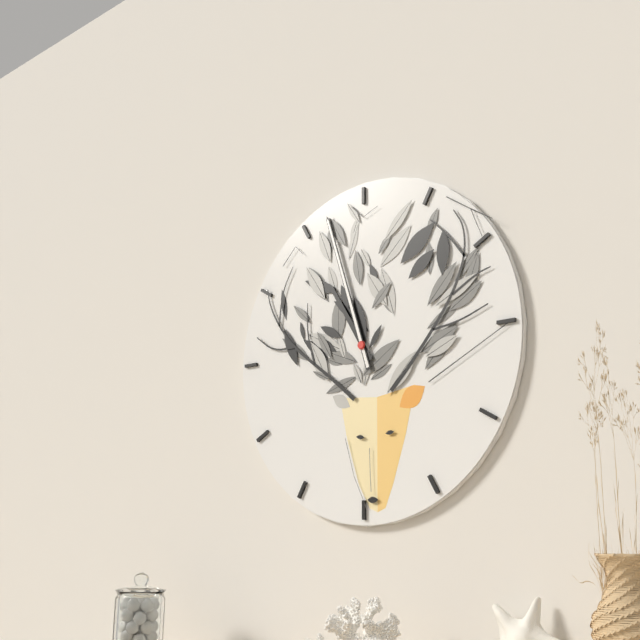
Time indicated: 10,57
